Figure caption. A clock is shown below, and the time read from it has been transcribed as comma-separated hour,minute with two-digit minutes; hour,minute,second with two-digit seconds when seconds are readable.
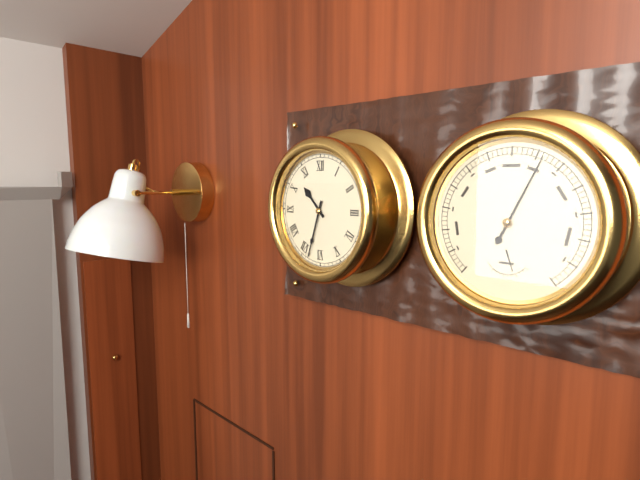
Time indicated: 10,33
